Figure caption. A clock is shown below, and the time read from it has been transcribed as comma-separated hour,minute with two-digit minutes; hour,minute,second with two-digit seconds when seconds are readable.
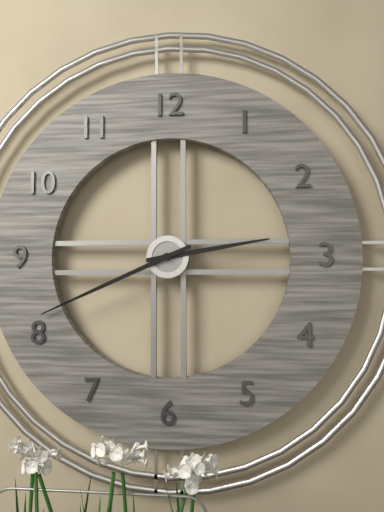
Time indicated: 2,41
